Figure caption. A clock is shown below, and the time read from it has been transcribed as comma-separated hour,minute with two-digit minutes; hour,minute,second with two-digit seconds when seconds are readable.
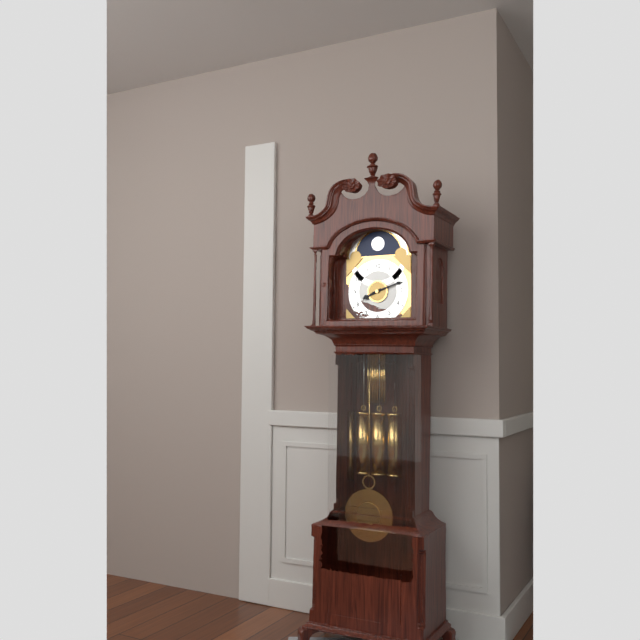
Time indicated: 8,12
